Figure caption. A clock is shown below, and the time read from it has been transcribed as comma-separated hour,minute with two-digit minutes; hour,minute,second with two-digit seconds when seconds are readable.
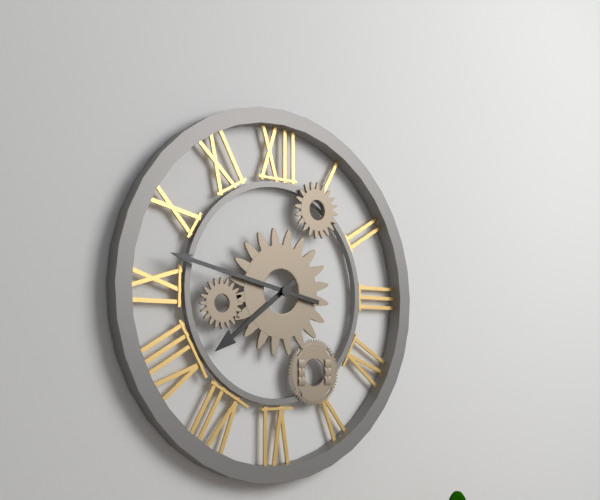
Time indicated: 7,47
